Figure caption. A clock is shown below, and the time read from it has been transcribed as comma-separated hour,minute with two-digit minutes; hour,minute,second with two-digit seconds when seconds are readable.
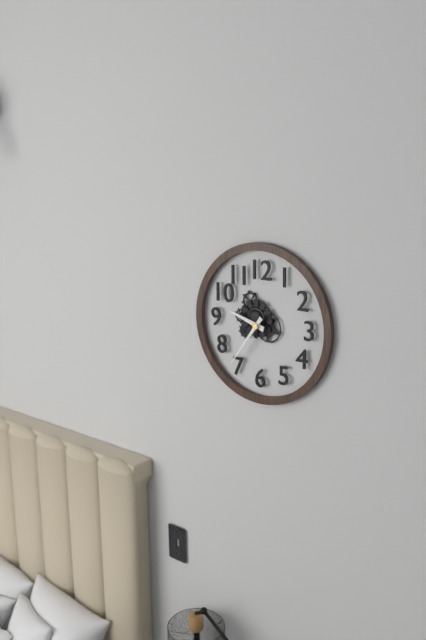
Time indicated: 9,36
